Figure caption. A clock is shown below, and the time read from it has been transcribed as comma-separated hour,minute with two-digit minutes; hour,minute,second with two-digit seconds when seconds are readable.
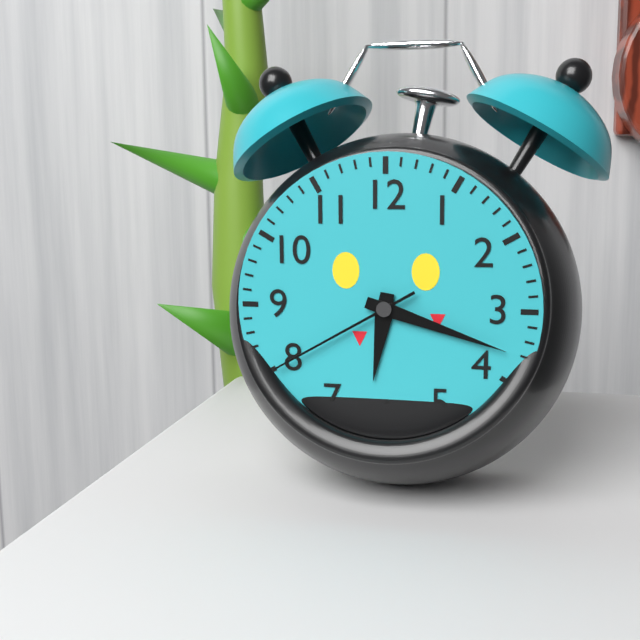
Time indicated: 6,18,40
